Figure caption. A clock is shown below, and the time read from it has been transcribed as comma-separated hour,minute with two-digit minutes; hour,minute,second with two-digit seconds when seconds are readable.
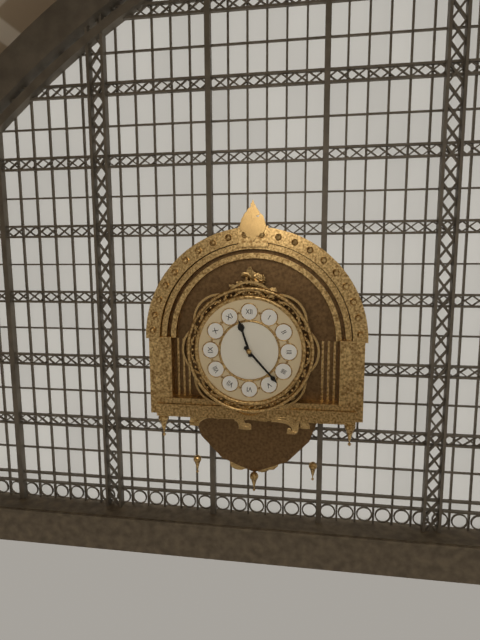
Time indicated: 11,23
